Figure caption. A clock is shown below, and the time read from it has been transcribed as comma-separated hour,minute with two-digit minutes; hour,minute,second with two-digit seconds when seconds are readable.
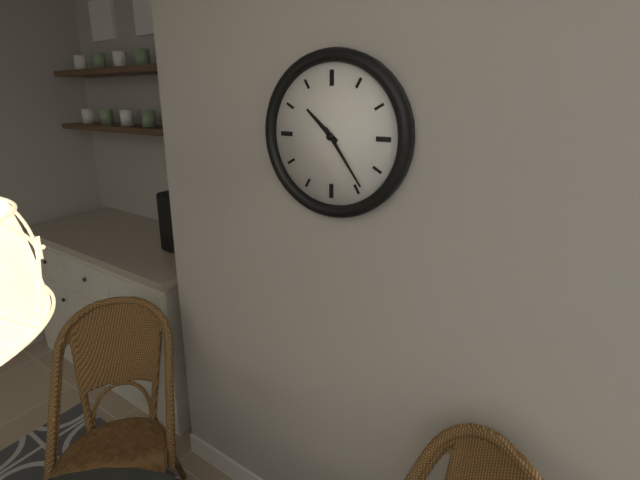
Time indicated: 10,24
